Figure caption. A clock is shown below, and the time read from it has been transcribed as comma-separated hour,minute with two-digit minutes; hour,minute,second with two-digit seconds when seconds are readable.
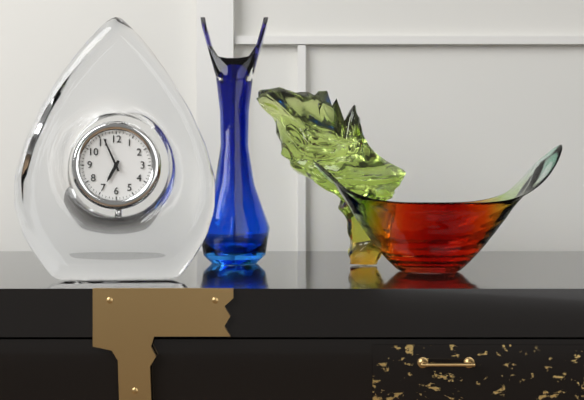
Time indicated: 6,56
